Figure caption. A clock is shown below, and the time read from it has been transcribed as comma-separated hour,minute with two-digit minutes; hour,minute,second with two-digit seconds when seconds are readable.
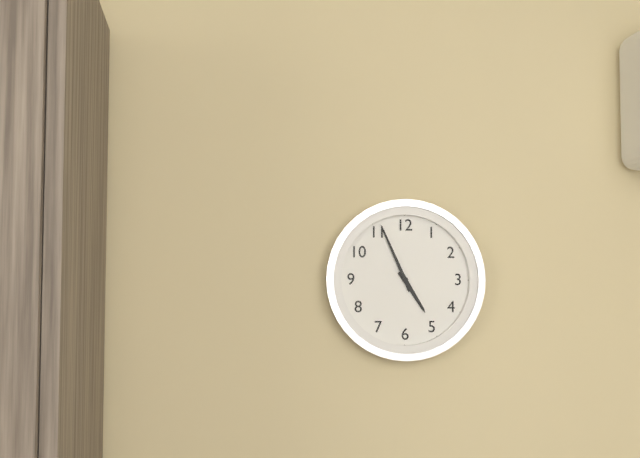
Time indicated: 4,56
